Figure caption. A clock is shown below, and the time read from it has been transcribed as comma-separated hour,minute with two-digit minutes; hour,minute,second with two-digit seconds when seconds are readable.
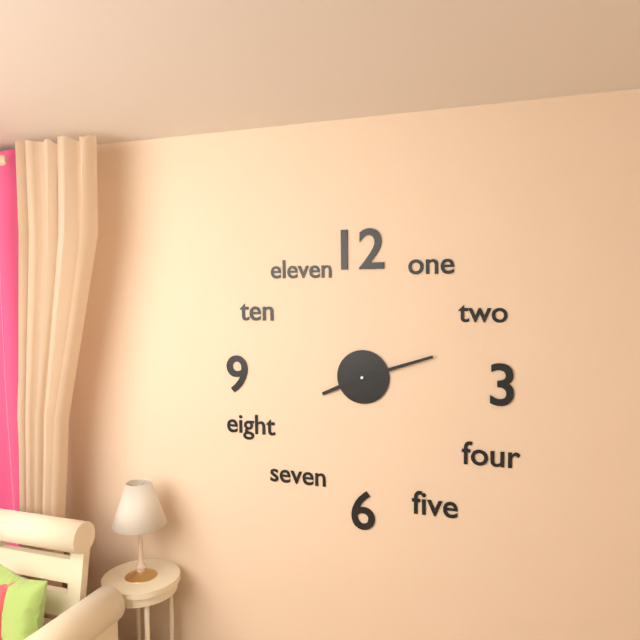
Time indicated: 8,12
